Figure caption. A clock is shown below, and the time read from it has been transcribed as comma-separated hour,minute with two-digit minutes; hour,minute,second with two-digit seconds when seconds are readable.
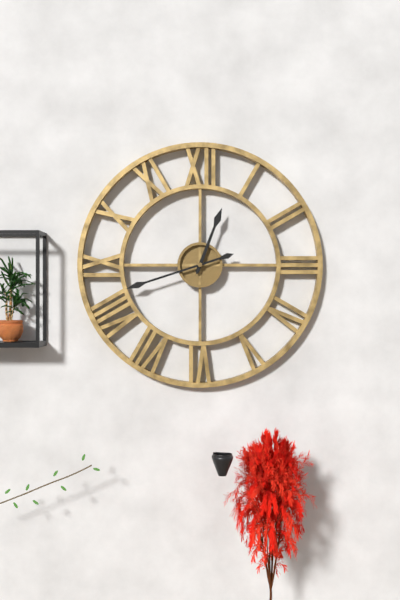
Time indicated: 12,42
